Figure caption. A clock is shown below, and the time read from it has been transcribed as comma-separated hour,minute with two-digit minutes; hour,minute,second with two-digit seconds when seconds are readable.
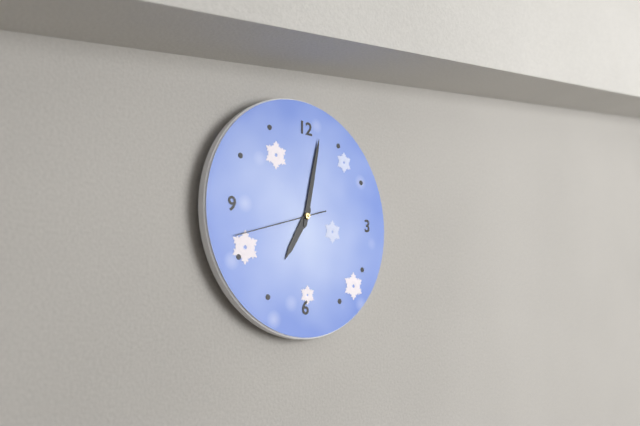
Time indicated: 7,02,42
